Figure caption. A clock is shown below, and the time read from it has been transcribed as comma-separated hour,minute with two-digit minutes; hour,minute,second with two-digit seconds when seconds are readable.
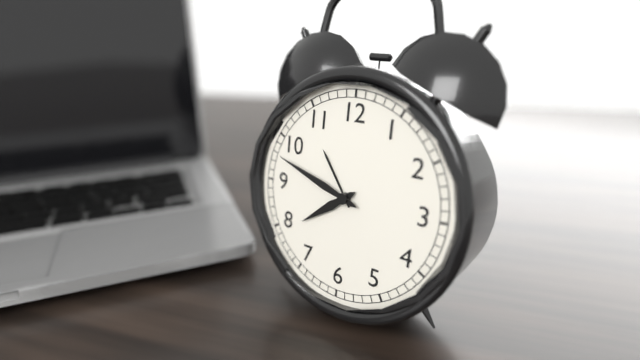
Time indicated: 7,48
